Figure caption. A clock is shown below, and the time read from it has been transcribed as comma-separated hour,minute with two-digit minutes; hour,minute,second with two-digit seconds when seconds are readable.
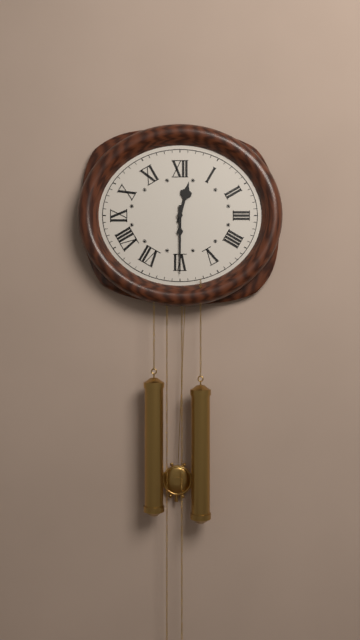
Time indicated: 12,30
